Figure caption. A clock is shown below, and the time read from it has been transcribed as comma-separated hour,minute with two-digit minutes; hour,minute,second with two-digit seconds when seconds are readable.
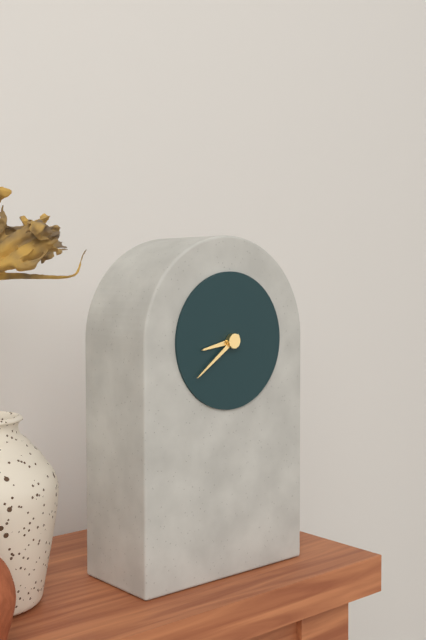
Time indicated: 8,39
